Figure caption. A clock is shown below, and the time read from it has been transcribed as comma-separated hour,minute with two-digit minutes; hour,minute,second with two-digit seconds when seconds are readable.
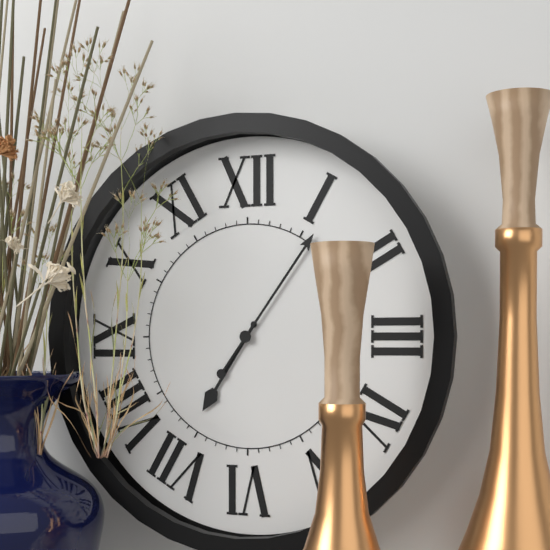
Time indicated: 7,06
